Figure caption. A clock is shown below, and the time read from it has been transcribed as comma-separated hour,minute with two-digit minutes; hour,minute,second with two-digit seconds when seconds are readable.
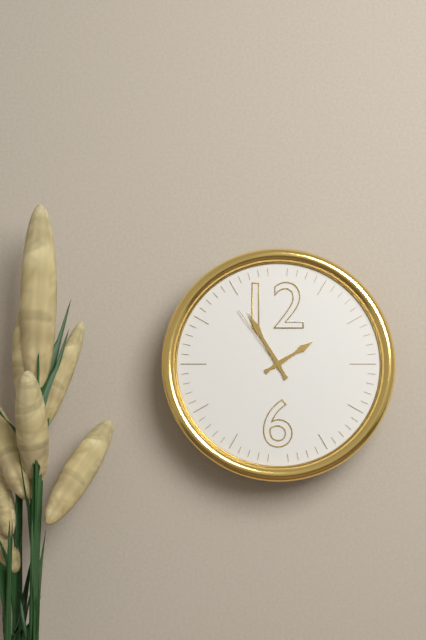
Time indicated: 1,55,54
